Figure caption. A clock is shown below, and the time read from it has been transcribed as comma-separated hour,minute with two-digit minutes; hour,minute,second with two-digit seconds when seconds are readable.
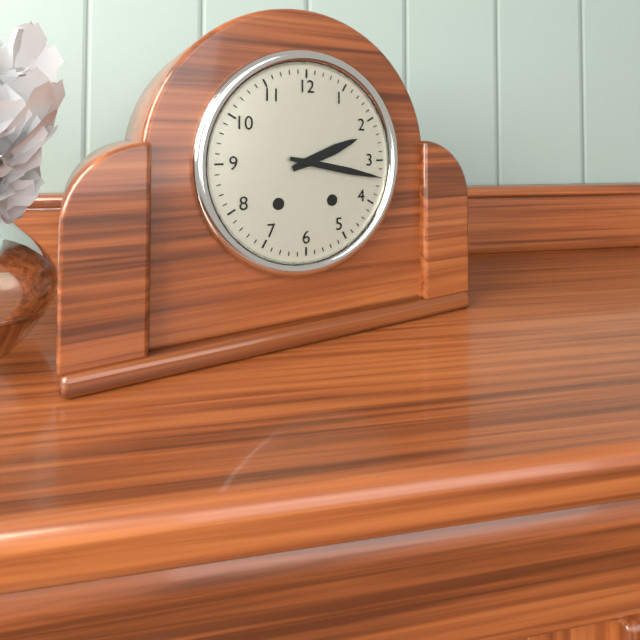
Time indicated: 2,17
